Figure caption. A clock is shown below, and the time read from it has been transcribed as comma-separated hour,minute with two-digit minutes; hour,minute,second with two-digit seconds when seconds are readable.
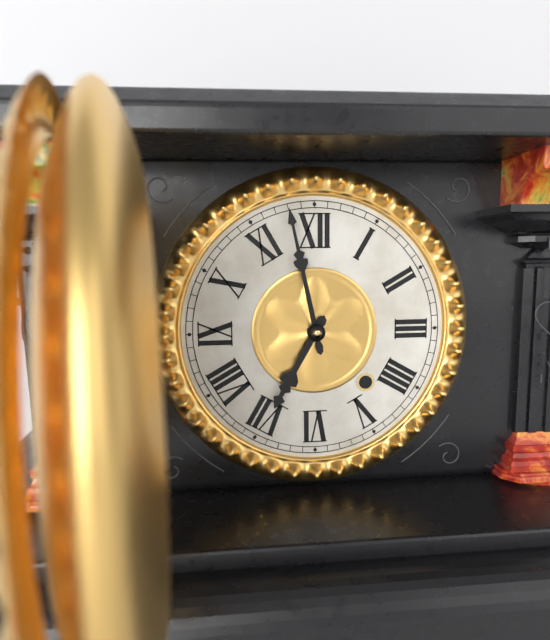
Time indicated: 6,58
